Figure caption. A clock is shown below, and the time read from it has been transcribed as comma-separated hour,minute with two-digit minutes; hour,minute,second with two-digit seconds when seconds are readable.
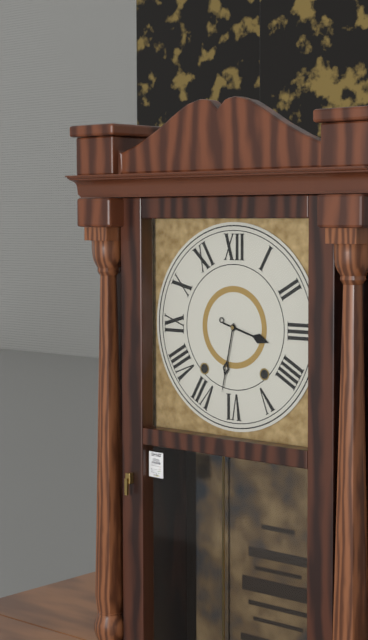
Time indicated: 3,32
